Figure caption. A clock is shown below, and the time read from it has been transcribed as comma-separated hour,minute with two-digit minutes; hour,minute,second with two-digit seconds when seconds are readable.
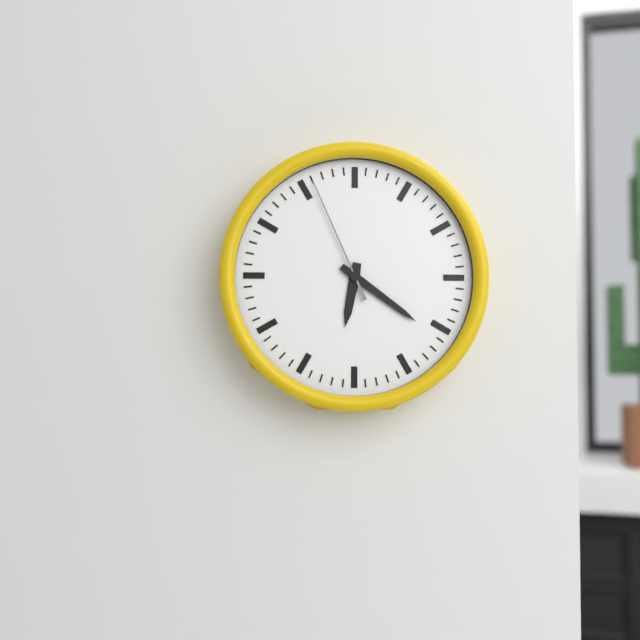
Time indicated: 6,21,56
